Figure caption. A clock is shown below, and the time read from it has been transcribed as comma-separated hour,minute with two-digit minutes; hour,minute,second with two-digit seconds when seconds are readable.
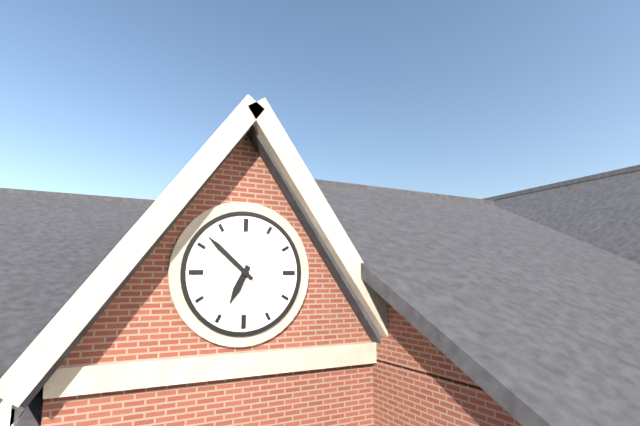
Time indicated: 6,52
